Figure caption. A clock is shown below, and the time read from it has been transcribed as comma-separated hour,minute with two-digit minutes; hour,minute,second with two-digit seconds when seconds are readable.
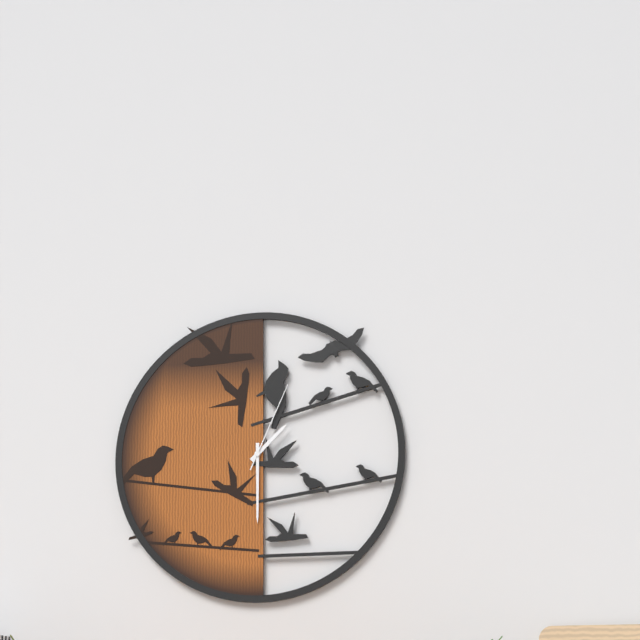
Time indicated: 1,30,04
